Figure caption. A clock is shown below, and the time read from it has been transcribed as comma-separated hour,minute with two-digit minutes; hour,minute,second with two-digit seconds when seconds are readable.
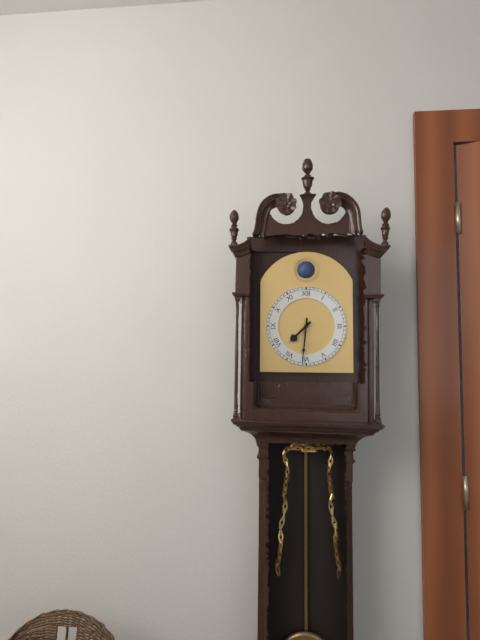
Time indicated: 7,31
